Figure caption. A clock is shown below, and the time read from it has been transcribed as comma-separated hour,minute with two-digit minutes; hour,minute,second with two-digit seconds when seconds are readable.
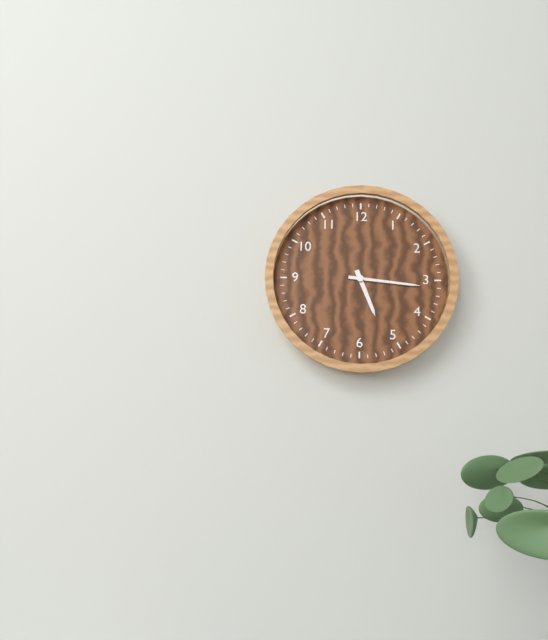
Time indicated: 5,16
